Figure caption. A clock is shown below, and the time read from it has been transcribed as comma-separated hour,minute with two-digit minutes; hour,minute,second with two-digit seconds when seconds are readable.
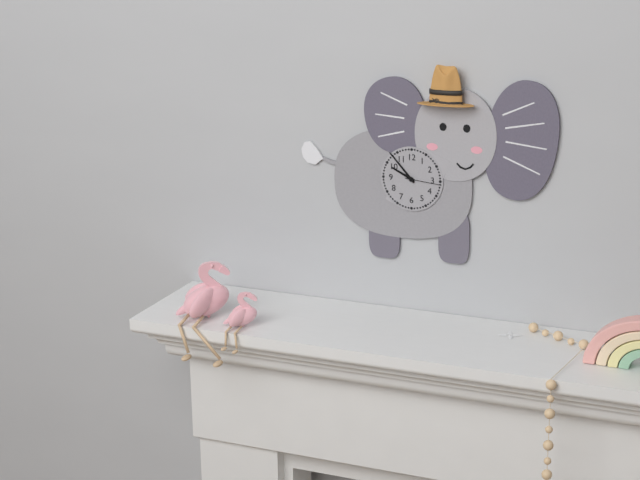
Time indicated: 9,53
